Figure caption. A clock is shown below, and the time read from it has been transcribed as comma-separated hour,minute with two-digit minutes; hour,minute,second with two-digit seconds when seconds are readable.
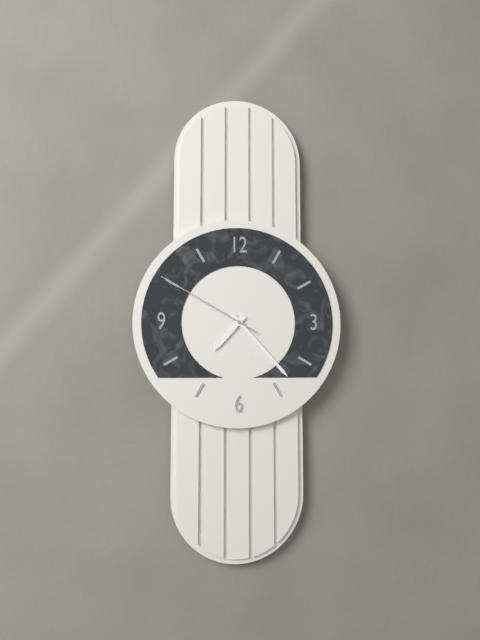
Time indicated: 7,23,50
